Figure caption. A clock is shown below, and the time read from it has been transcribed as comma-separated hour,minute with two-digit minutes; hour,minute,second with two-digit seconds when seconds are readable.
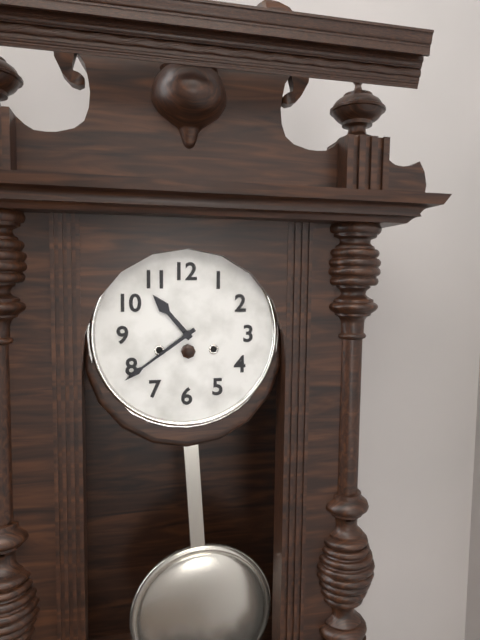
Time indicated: 10,39
